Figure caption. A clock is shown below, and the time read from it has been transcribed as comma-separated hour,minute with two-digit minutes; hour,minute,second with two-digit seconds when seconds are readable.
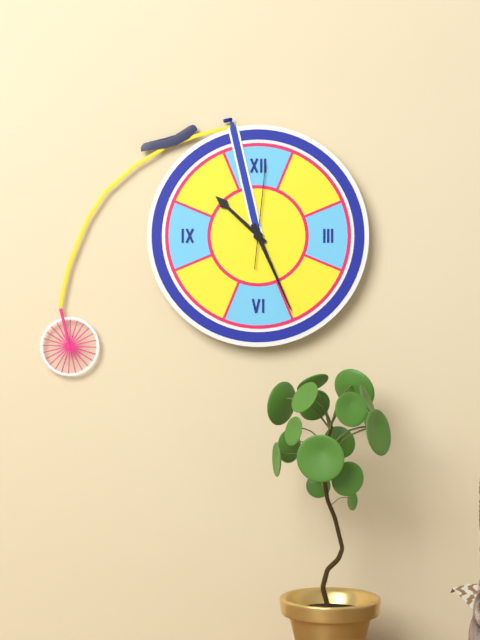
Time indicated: 10,26,01
